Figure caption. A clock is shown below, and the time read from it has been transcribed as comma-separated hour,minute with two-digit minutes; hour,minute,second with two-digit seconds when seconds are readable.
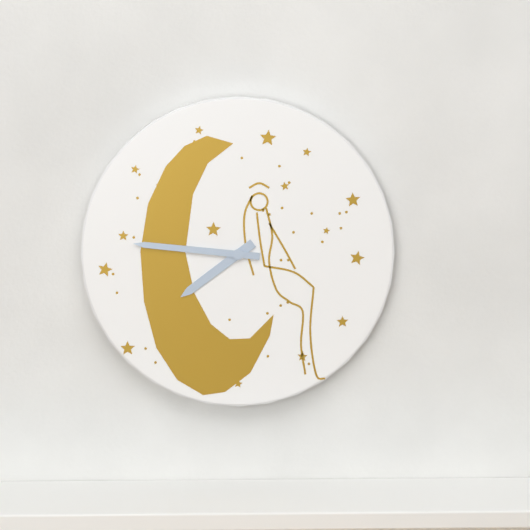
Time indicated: 7,46
